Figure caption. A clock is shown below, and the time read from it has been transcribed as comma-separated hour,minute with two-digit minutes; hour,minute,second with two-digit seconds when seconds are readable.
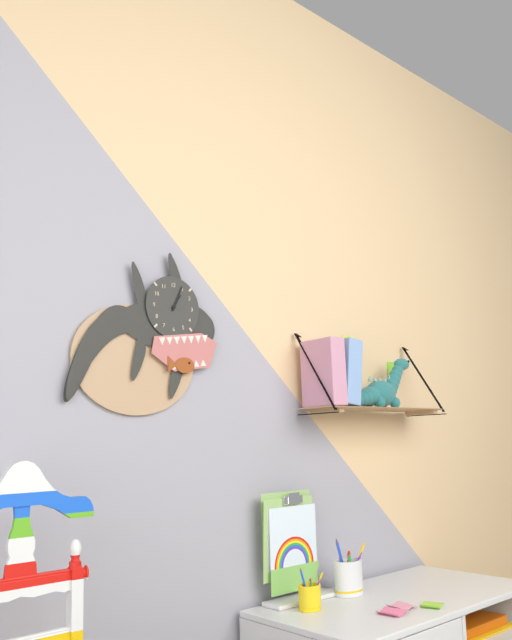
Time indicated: 1,04
